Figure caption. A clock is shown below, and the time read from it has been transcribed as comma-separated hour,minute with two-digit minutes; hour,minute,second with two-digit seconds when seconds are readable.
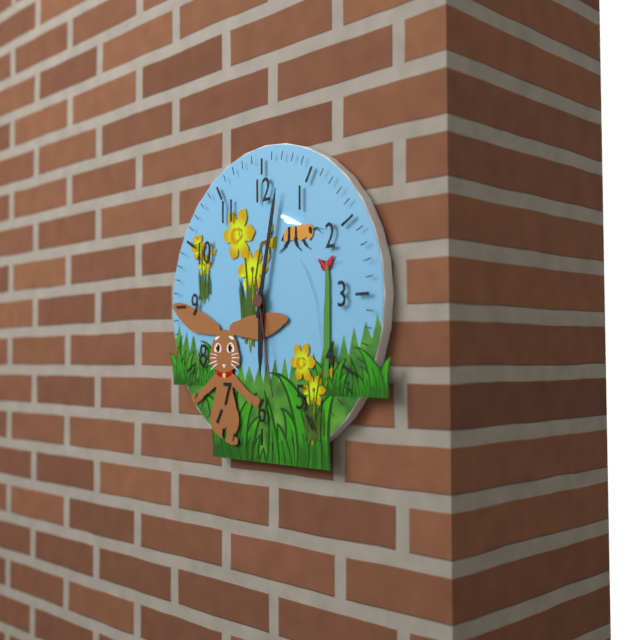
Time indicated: 6,02,28
